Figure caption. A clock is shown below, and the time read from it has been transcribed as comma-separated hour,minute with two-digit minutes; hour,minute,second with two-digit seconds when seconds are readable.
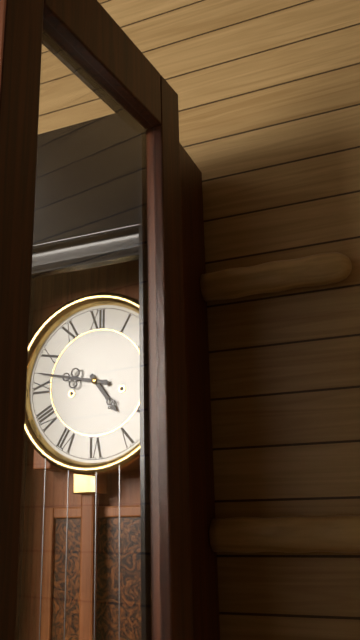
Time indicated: 4,47
